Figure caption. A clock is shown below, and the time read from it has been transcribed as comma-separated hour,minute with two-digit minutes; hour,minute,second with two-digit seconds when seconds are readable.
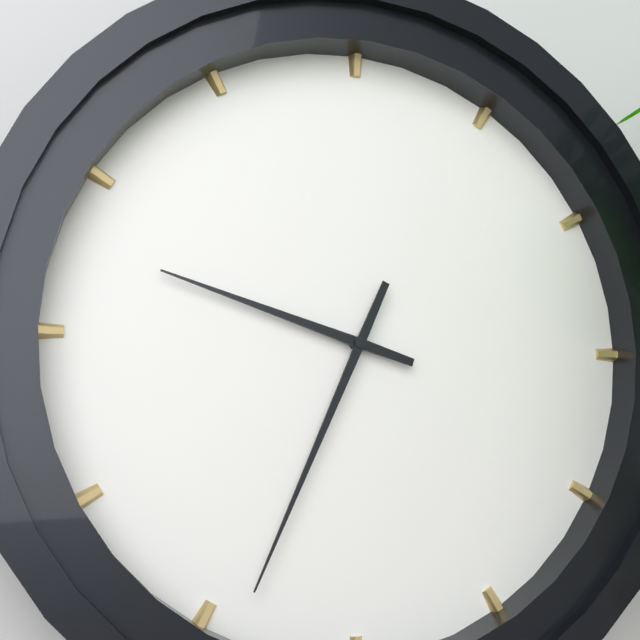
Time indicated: 9,34
